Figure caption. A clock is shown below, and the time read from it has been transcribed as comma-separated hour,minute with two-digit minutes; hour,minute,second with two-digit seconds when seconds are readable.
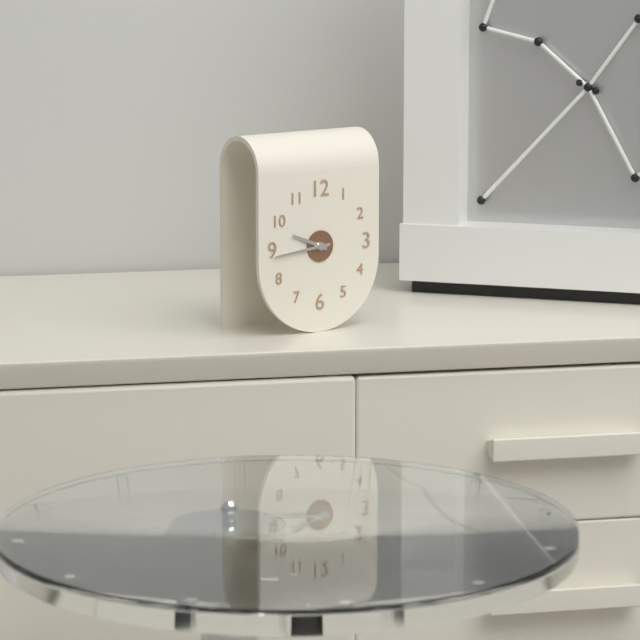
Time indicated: 9,44
